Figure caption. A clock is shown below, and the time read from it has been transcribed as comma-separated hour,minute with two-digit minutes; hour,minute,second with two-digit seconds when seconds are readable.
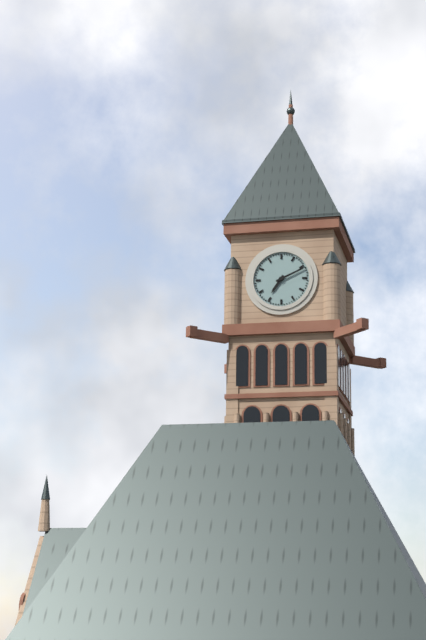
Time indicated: 7,11
